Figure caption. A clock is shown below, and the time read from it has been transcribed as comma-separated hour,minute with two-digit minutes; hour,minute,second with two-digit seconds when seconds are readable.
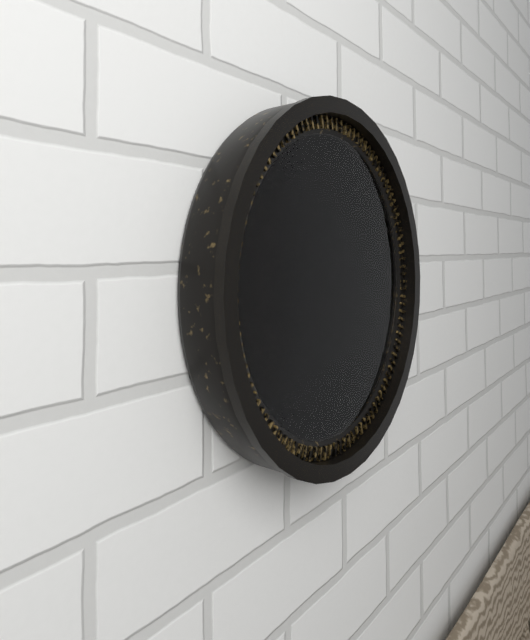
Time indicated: 11,59
